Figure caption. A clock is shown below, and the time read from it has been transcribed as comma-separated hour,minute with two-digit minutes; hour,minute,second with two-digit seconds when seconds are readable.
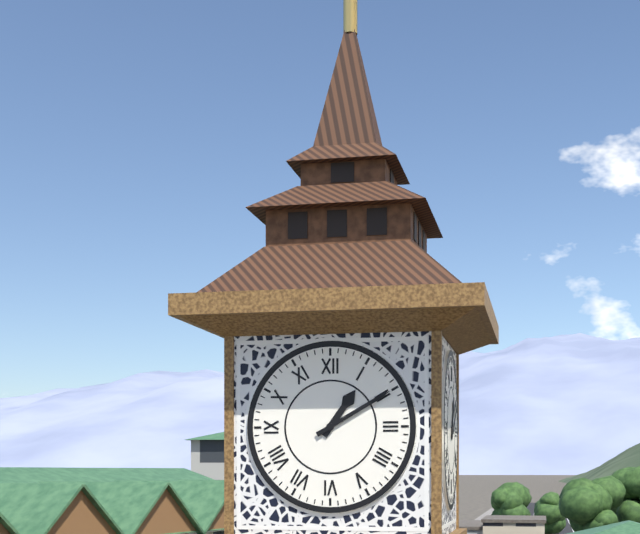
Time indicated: 1,10
